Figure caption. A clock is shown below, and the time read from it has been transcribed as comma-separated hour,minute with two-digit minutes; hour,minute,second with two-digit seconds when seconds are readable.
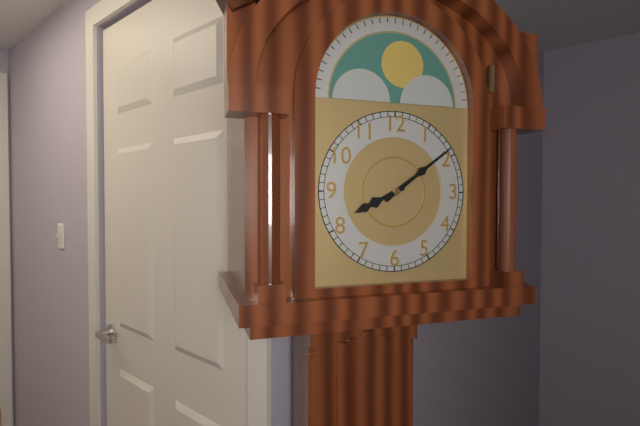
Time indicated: 8,09
